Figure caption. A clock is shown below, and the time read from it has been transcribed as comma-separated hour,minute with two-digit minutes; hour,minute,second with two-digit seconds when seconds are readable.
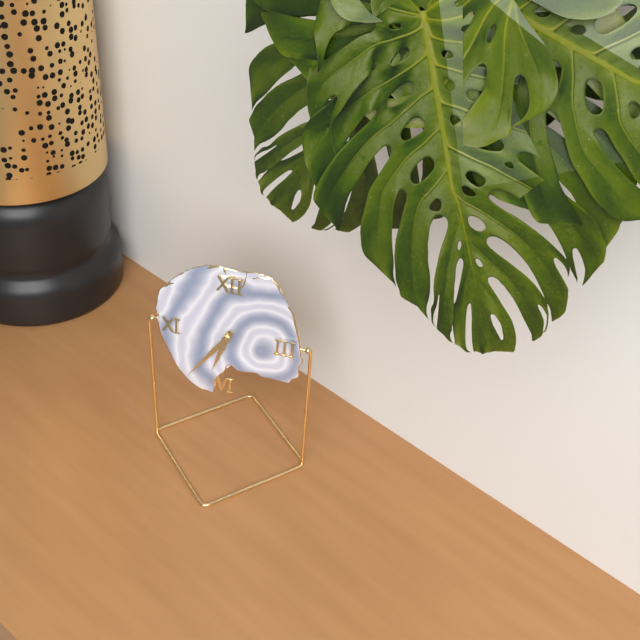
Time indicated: 6,36
